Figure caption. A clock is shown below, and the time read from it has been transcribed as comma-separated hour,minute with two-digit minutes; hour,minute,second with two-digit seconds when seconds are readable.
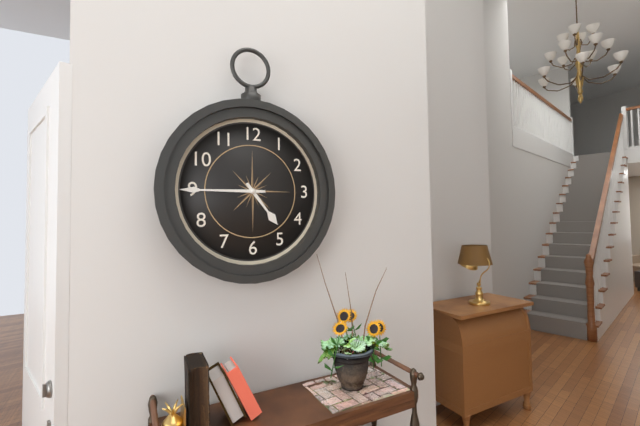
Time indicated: 4,45
